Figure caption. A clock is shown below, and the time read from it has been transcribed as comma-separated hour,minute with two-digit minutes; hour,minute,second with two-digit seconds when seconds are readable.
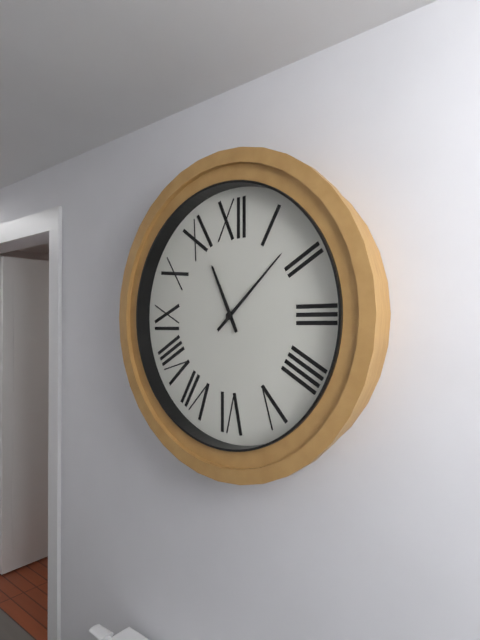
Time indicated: 11,08
